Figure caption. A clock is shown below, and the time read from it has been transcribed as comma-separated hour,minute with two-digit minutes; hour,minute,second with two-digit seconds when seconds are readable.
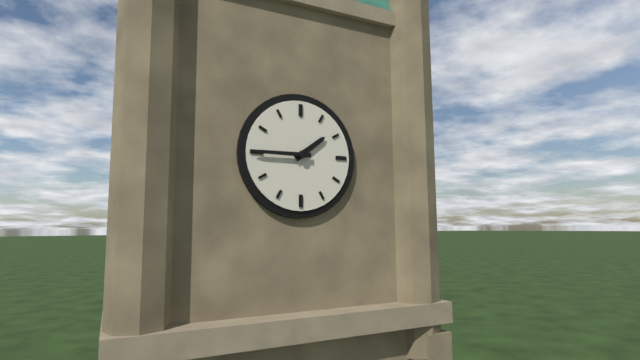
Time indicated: 1,45
